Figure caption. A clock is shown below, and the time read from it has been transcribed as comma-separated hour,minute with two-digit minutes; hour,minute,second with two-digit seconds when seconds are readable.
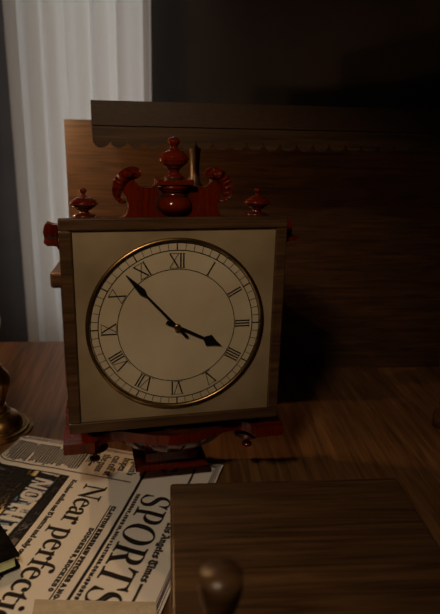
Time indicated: 3,53
